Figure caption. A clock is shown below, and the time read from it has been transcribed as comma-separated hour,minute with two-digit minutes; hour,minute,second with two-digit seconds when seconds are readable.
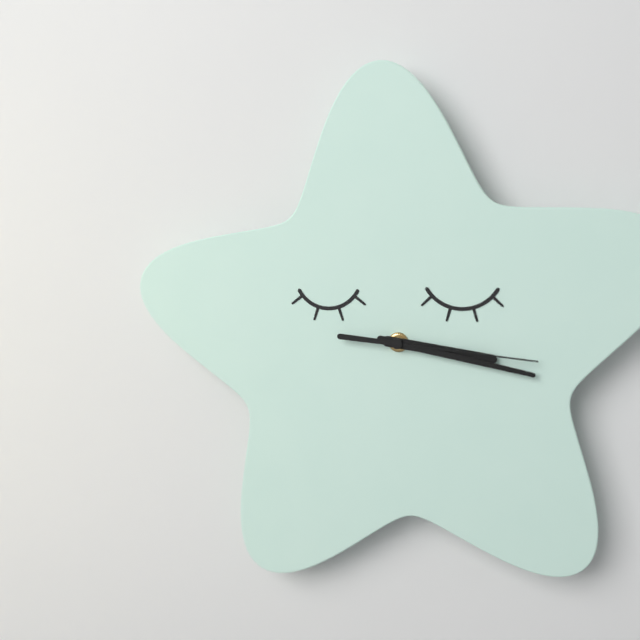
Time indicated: 3,17,16
